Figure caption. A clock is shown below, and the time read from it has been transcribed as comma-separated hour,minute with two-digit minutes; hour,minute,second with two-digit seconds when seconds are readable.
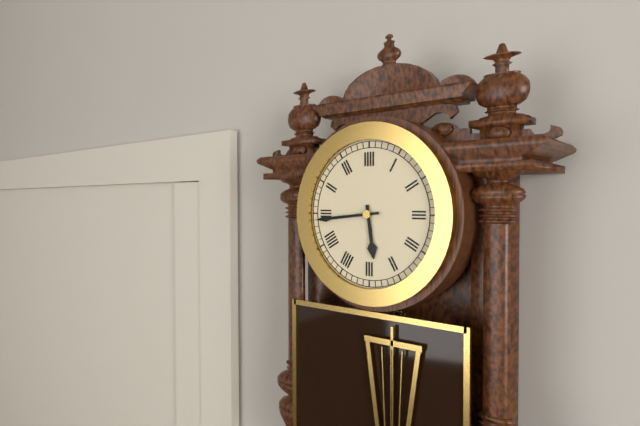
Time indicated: 5,44
